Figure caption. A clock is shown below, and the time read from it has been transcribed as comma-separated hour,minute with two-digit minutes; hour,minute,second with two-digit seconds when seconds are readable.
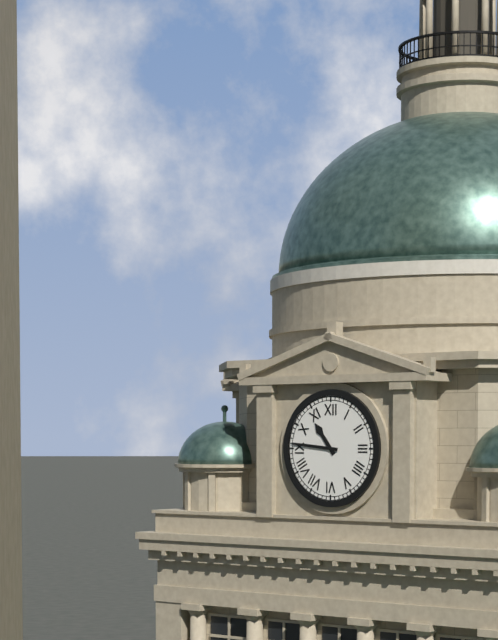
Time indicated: 10,46
